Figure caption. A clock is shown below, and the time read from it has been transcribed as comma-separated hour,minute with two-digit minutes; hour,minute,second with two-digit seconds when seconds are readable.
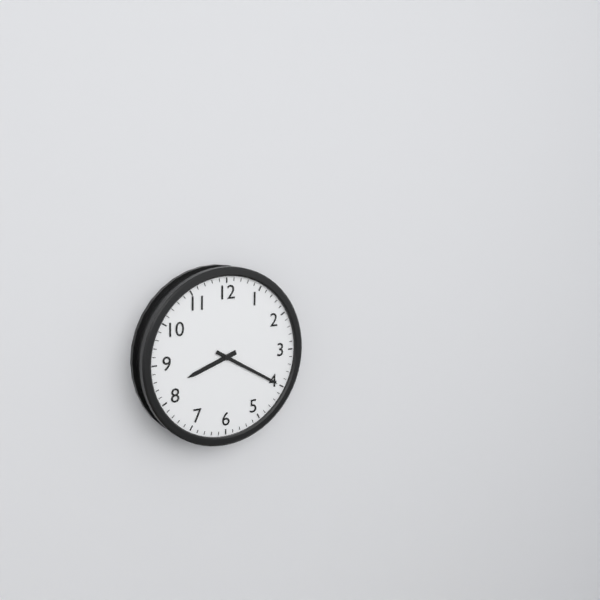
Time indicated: 8,20
